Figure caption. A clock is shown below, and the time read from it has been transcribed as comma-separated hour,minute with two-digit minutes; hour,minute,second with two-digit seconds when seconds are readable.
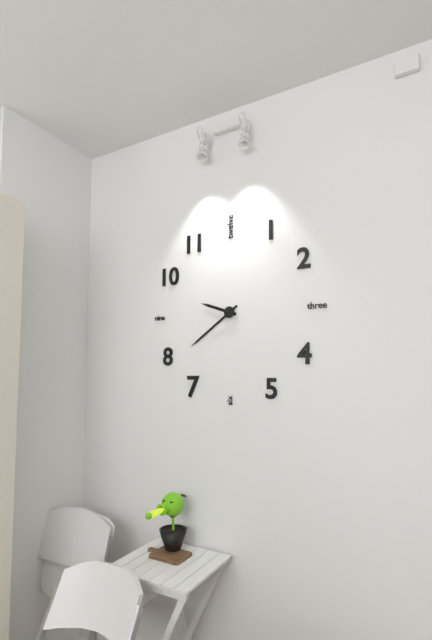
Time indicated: 9,39
